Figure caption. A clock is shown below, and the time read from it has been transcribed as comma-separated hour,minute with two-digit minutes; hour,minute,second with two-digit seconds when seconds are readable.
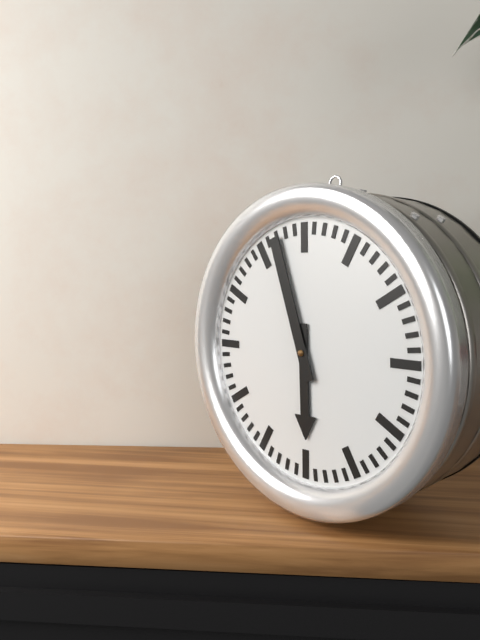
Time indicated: 5,57
